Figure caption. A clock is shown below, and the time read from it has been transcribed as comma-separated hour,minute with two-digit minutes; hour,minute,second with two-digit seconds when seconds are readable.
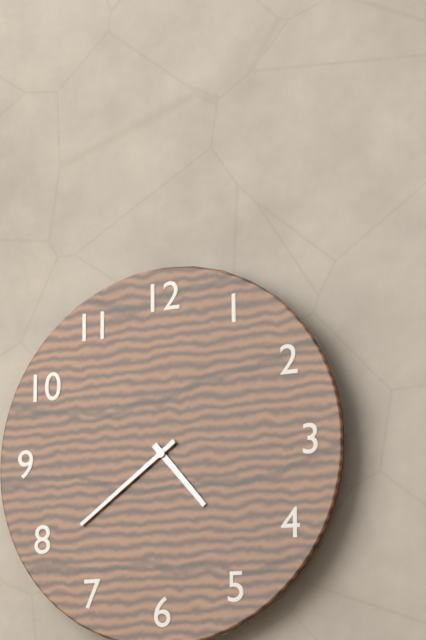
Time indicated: 4,39
